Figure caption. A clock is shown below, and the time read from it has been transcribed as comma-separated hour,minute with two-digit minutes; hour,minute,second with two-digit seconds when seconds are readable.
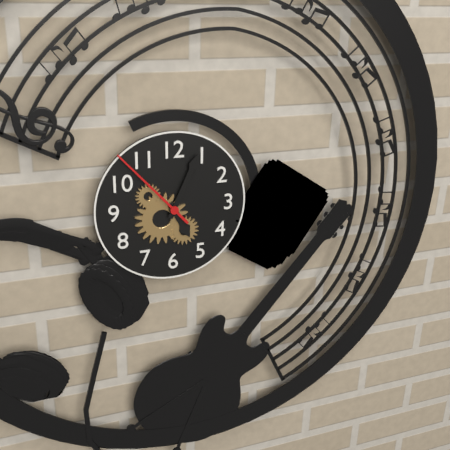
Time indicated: 5,04,53
